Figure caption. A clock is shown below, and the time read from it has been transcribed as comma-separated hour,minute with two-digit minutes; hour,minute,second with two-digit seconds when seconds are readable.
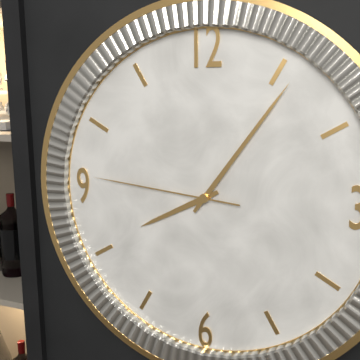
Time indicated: 8,06,46
